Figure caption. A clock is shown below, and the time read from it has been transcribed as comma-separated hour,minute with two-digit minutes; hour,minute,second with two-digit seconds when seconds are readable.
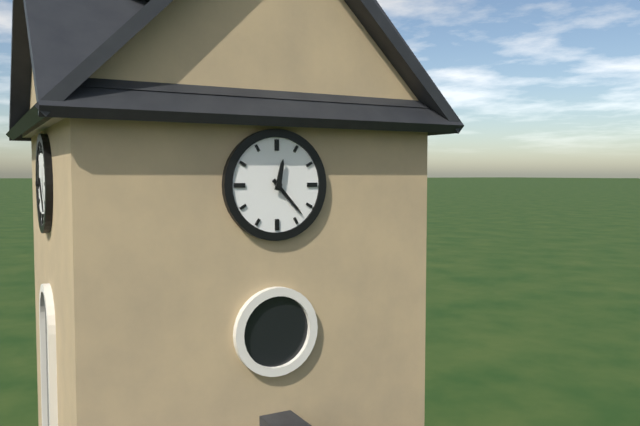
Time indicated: 12,23
